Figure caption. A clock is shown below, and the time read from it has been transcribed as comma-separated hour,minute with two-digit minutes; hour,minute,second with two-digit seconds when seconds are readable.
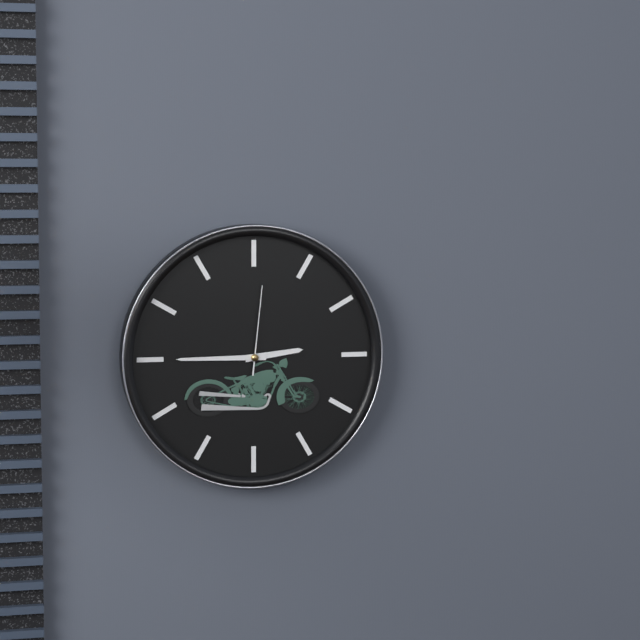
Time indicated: 2,45,01
